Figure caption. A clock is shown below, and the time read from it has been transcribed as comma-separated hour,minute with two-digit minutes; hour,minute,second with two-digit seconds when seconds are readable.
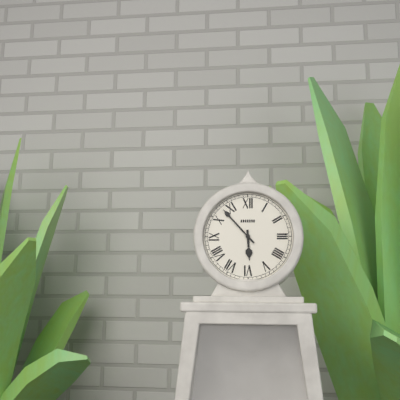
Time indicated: 5,53
